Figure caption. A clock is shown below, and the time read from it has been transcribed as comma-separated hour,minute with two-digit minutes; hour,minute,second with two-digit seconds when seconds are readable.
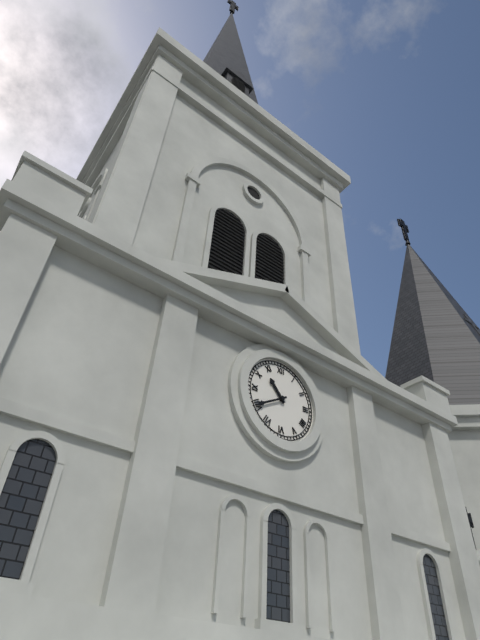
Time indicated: 10,40
